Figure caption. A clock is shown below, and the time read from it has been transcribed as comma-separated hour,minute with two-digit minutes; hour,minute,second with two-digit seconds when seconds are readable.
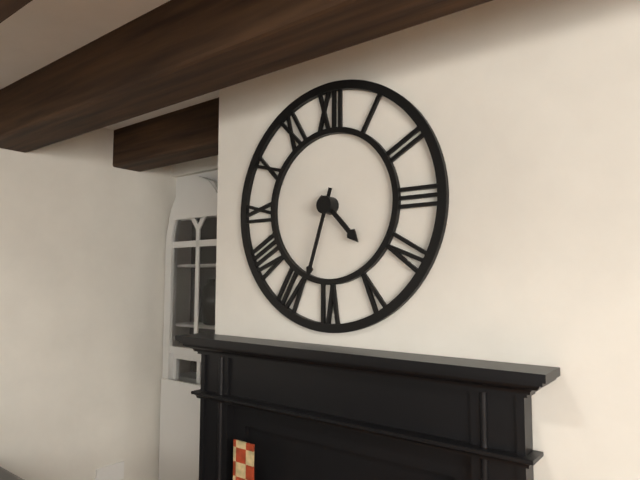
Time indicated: 4,33
